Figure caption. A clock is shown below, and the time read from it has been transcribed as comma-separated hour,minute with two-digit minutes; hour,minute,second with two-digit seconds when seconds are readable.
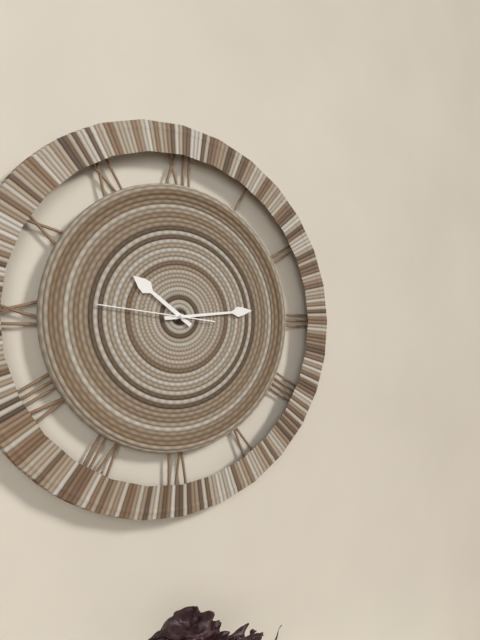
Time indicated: 10,14,46
